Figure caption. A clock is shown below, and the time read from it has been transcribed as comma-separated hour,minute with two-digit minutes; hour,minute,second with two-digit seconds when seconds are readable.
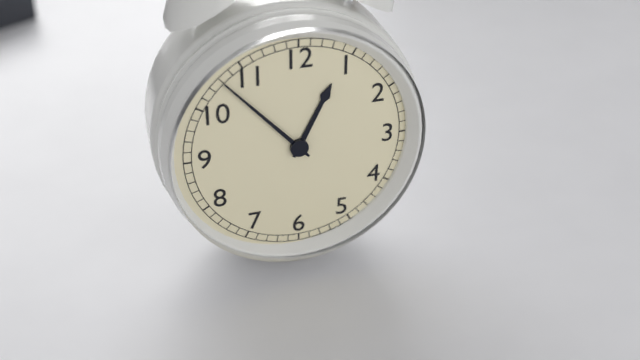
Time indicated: 12,53
